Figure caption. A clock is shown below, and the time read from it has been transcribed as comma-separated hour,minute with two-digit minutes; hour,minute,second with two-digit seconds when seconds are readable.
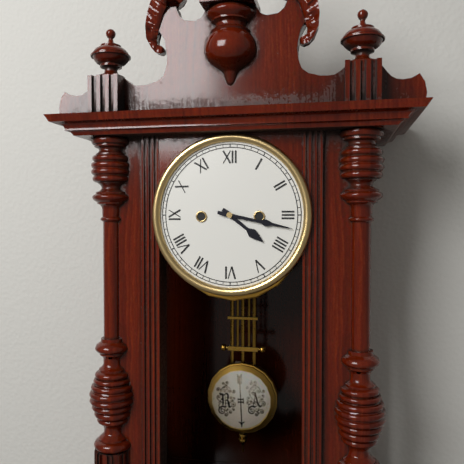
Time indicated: 4,17
